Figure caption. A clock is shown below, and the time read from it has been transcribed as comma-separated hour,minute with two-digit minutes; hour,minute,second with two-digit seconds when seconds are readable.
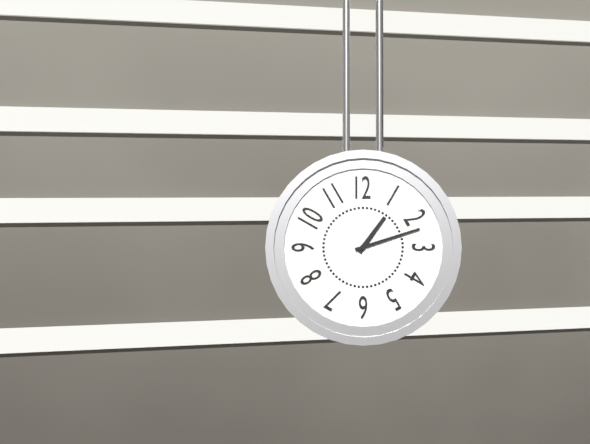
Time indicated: 1,12
